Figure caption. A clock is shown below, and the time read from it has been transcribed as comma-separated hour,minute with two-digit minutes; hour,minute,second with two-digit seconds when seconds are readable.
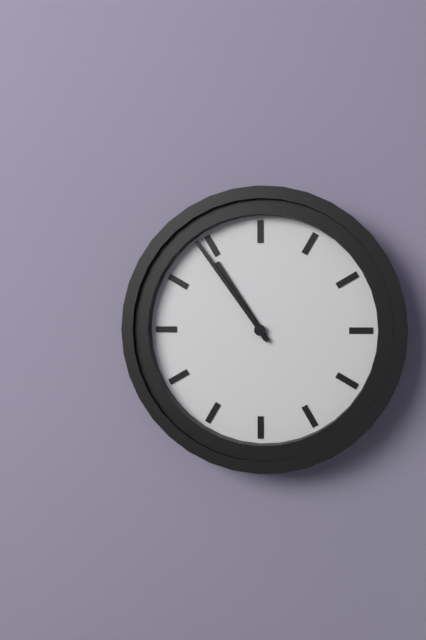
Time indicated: 10,54
